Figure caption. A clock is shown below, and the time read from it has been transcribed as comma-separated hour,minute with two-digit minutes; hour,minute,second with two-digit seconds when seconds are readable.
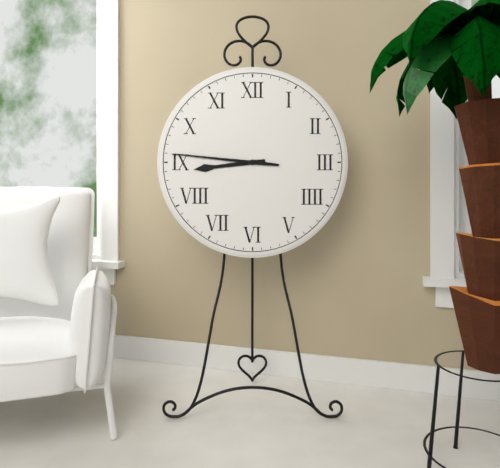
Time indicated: 8,46
